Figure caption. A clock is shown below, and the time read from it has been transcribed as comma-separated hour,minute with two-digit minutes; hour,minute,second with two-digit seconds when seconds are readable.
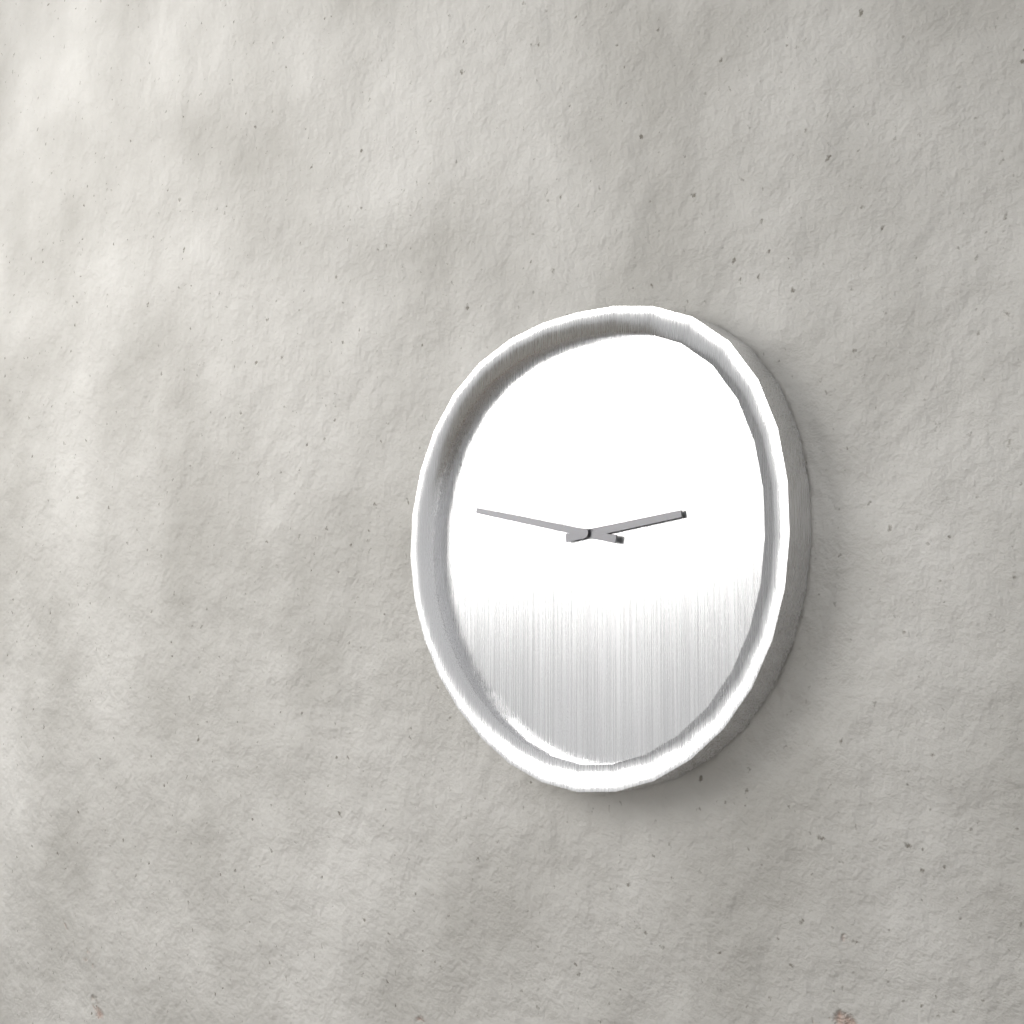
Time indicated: 2,47
